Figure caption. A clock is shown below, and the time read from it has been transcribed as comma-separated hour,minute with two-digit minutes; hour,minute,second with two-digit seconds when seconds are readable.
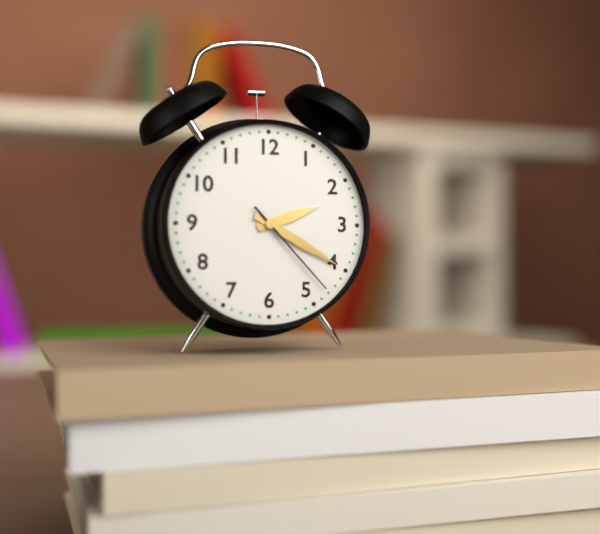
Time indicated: 2,20,23
